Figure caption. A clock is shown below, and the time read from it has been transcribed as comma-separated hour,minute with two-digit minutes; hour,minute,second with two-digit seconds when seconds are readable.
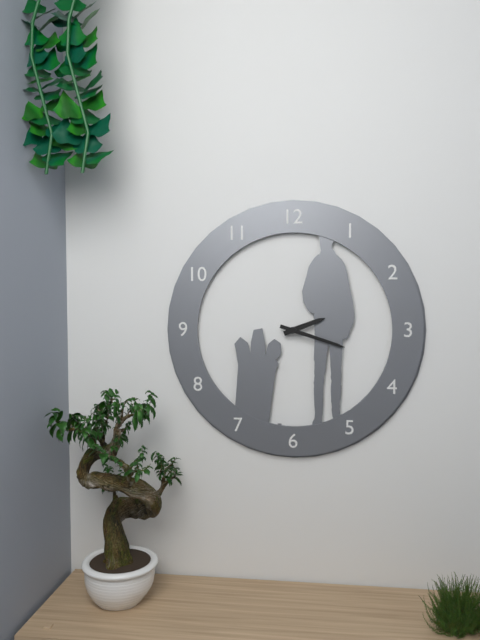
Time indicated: 2,18
